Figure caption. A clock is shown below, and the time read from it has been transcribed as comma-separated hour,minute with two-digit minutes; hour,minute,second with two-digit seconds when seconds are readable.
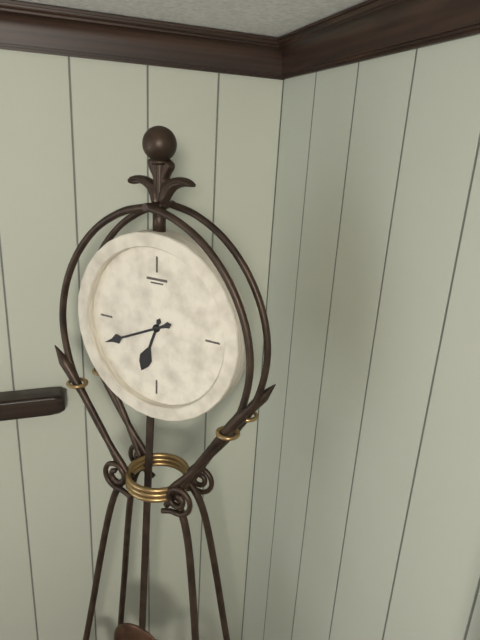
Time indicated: 6,41
